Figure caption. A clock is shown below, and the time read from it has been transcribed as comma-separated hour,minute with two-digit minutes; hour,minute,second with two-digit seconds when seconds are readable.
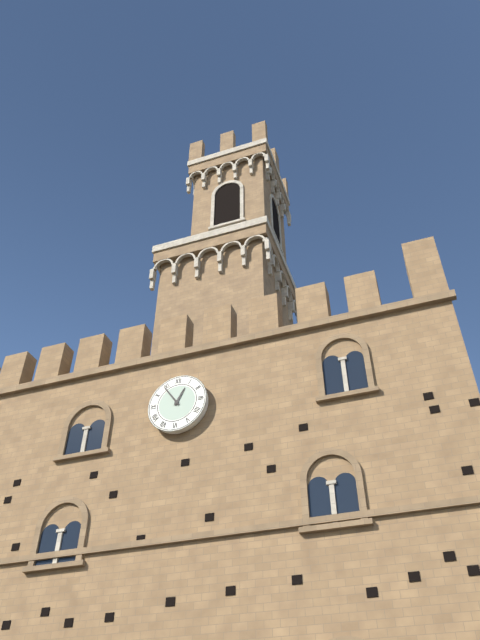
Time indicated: 12,54
